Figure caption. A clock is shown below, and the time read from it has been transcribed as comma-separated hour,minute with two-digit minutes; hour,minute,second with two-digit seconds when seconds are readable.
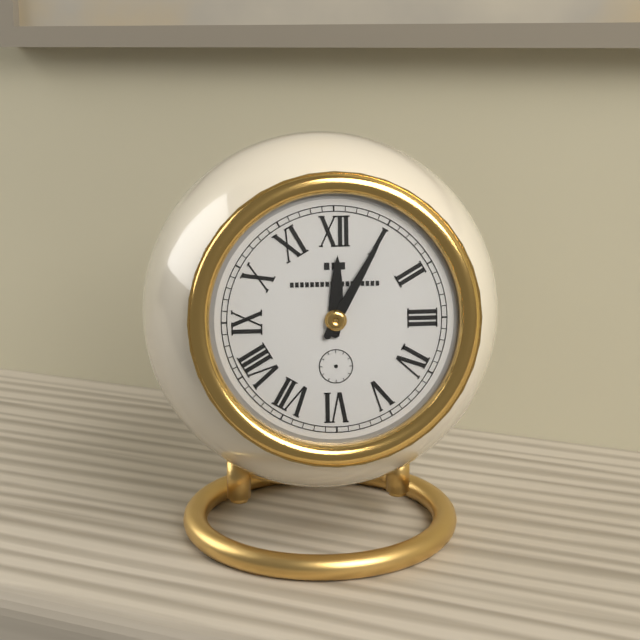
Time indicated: 12,05
